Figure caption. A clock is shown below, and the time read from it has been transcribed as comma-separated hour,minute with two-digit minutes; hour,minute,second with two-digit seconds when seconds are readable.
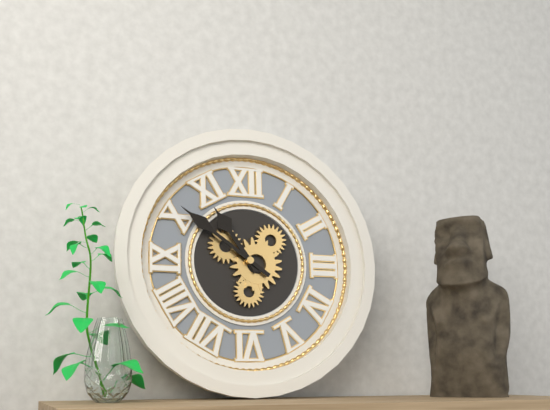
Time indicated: 10,51
